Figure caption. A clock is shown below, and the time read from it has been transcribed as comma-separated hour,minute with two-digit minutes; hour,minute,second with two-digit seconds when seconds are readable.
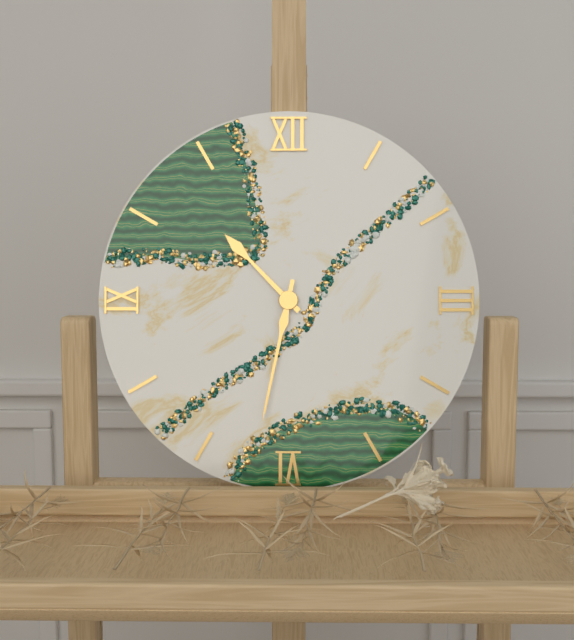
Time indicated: 10,32
